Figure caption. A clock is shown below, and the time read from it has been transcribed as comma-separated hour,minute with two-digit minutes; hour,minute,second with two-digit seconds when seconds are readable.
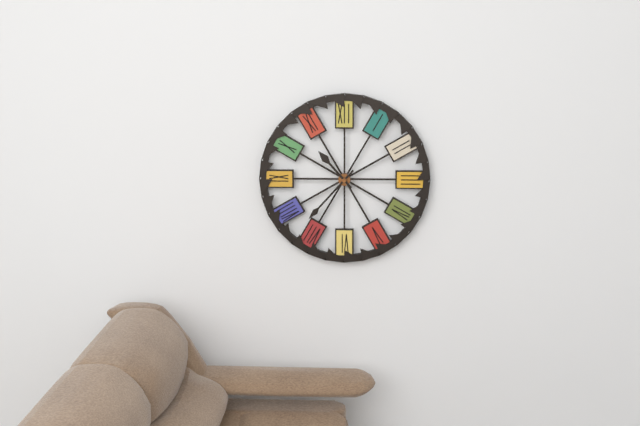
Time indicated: 10,37
